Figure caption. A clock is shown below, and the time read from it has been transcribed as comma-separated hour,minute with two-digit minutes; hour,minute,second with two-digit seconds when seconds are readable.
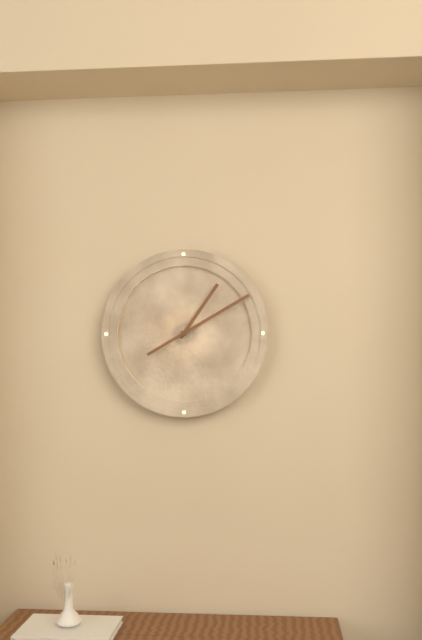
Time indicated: 1,10
